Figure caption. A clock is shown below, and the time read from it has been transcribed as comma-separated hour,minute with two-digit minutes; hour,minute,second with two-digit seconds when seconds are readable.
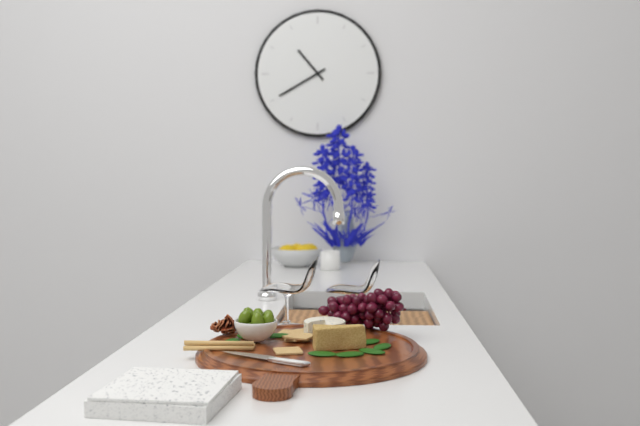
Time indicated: 10,40
